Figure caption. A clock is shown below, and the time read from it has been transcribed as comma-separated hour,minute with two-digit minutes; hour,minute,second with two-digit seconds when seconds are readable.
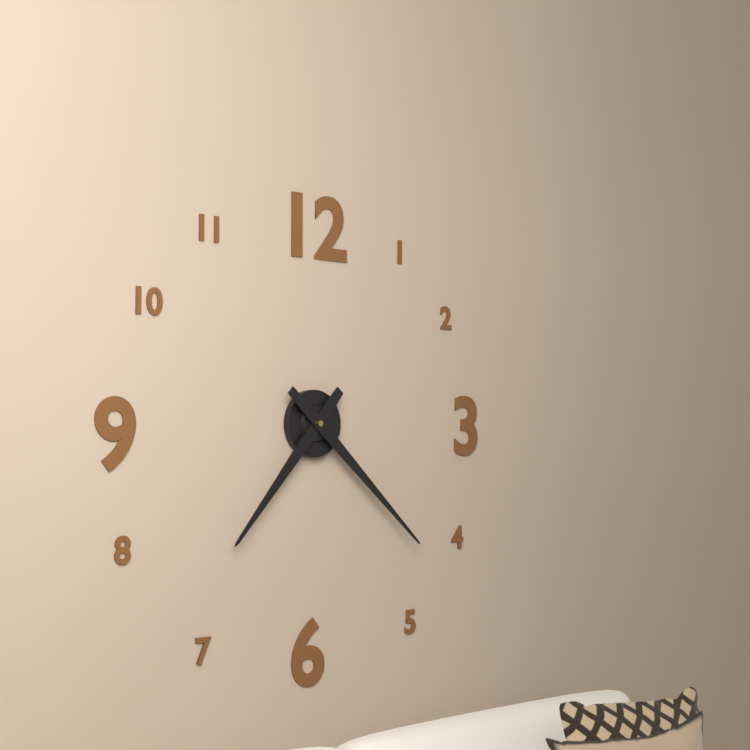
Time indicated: 7,22
